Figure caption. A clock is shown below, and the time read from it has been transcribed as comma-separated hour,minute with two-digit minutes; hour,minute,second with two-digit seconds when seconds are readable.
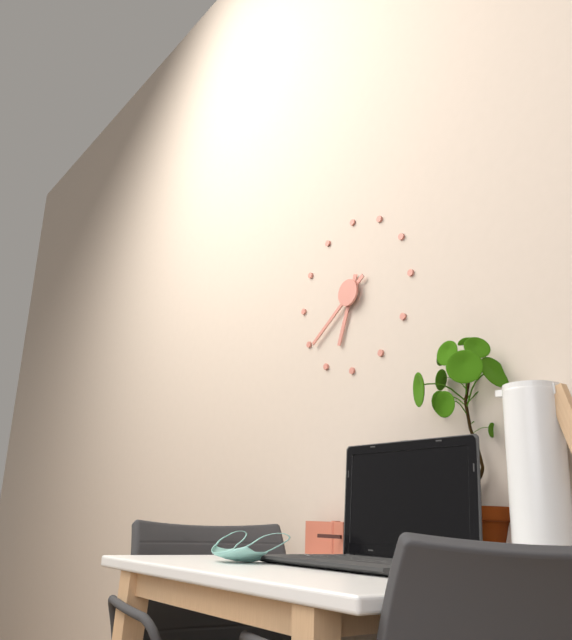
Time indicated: 6,39
